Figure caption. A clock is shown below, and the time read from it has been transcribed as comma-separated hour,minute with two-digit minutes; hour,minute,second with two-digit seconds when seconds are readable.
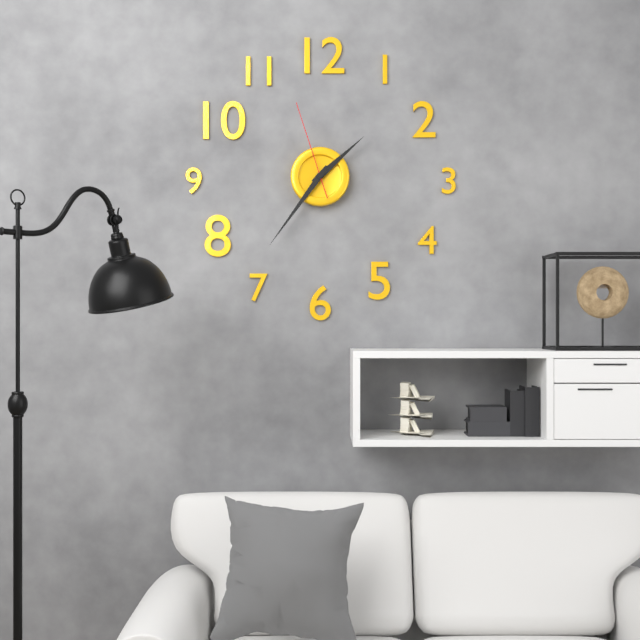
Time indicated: 1,36,57
